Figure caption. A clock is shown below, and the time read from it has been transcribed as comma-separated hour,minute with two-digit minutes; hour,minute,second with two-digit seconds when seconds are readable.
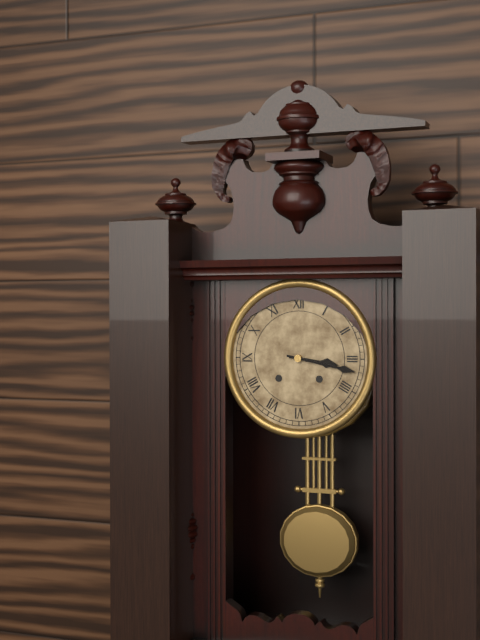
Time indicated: 3,17
